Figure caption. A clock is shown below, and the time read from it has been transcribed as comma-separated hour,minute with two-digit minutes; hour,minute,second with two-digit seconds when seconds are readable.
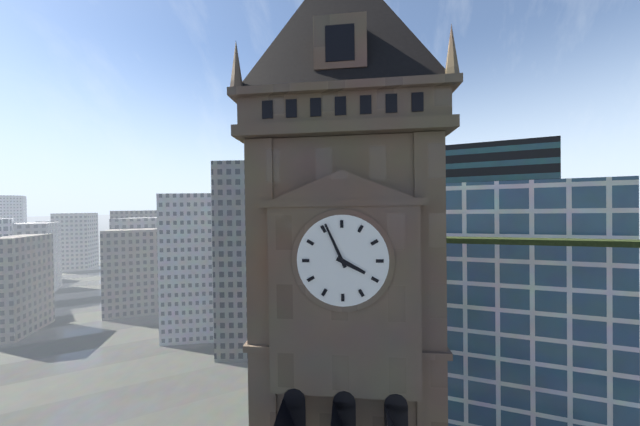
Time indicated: 3,56
